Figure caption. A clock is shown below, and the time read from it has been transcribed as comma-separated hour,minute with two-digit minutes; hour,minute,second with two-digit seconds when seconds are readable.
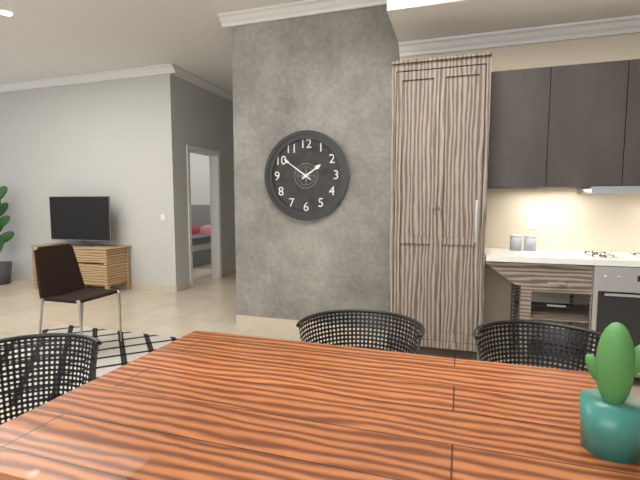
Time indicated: 1,51
